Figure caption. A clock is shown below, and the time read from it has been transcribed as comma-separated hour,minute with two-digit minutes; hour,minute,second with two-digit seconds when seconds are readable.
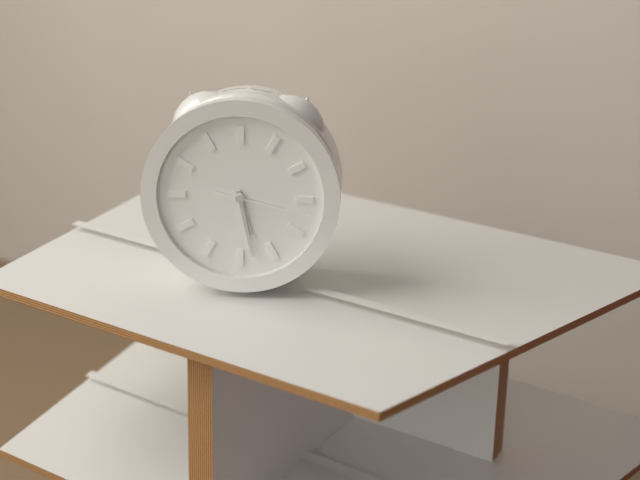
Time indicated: 5,28,17
